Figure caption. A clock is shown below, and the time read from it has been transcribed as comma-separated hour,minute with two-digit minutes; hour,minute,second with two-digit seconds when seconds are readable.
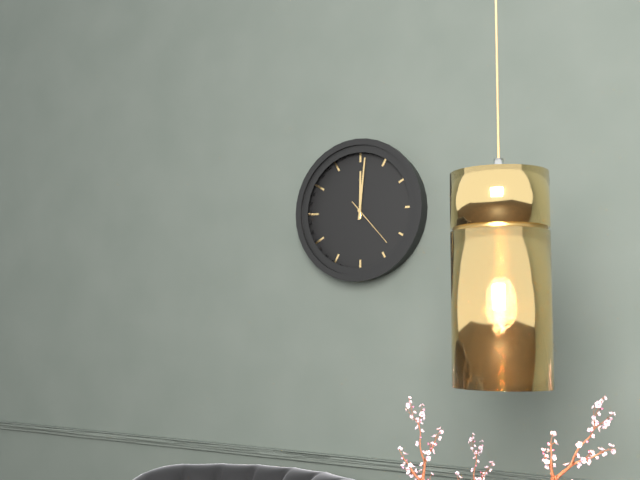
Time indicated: 12,01,23
